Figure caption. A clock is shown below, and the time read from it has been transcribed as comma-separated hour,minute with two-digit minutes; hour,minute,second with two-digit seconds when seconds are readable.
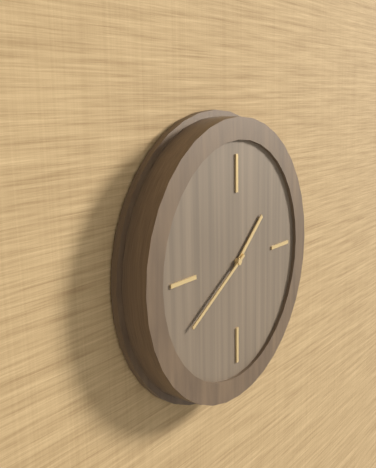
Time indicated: 1,40
